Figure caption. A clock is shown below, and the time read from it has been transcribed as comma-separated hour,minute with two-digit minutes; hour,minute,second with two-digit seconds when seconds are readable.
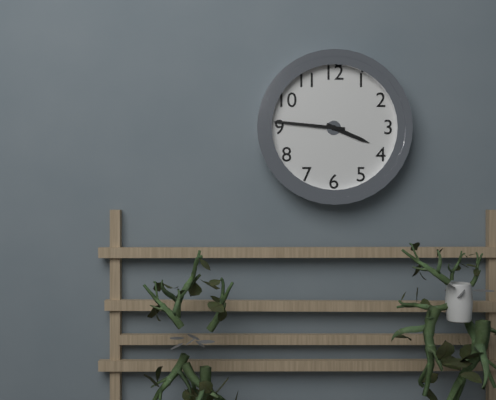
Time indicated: 3,46
